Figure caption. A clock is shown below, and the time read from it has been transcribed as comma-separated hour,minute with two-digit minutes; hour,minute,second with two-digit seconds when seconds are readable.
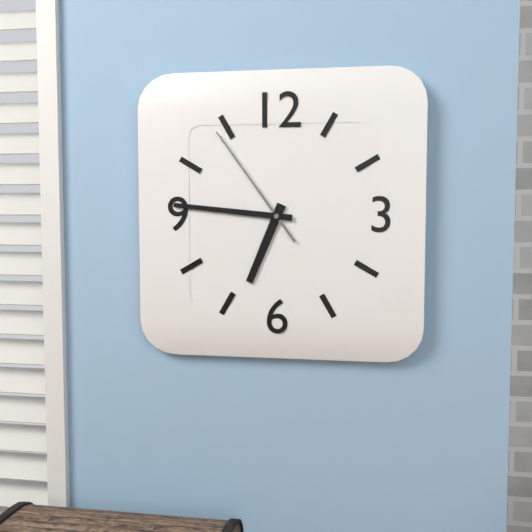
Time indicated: 6,46,54
